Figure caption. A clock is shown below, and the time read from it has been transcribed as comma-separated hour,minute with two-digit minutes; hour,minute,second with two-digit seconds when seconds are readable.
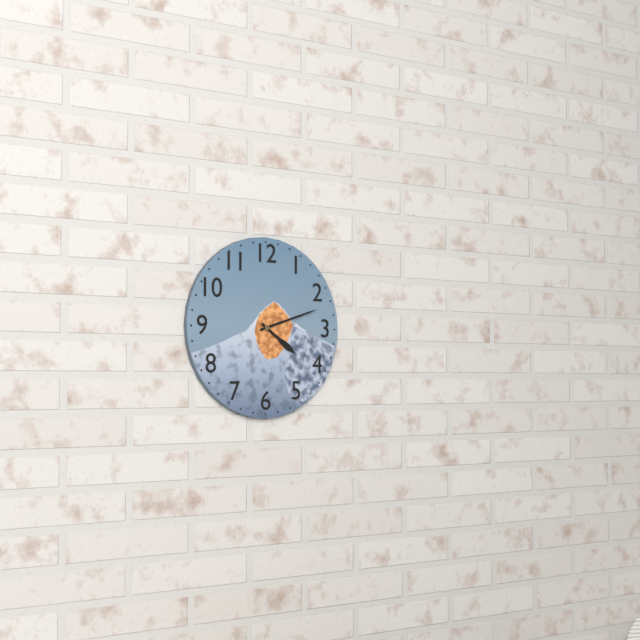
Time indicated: 4,12
